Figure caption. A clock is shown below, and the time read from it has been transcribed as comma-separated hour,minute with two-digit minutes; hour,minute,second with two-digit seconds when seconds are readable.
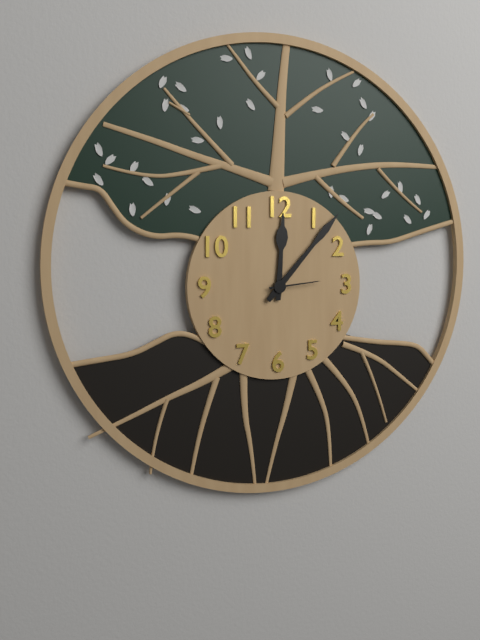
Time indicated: 12,07,14
